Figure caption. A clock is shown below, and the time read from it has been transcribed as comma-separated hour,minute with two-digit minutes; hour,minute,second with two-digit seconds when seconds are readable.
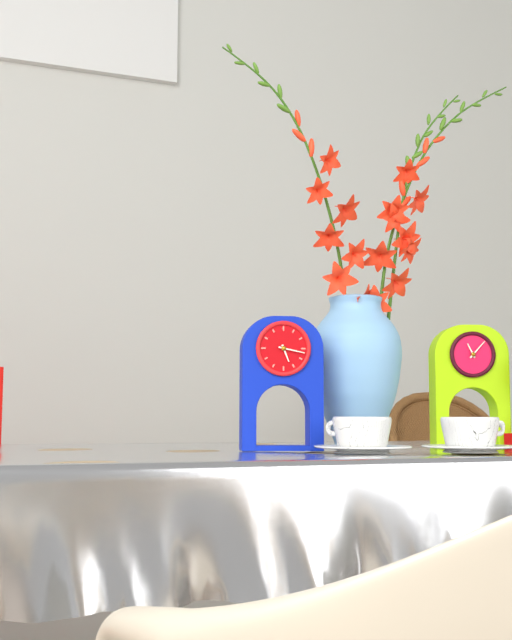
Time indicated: 5,17
